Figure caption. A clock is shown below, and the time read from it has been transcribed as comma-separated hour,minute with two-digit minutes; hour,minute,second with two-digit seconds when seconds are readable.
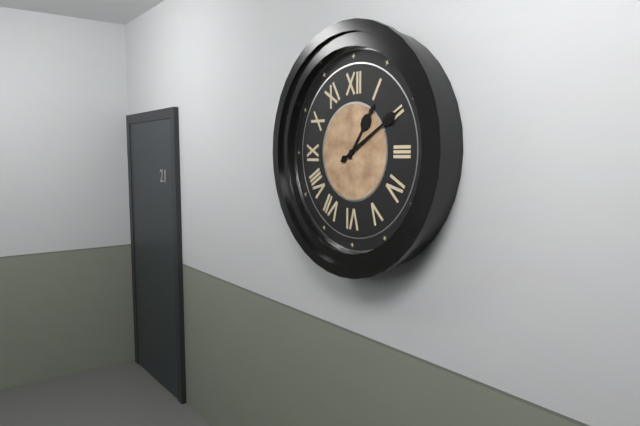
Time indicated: 1,10
